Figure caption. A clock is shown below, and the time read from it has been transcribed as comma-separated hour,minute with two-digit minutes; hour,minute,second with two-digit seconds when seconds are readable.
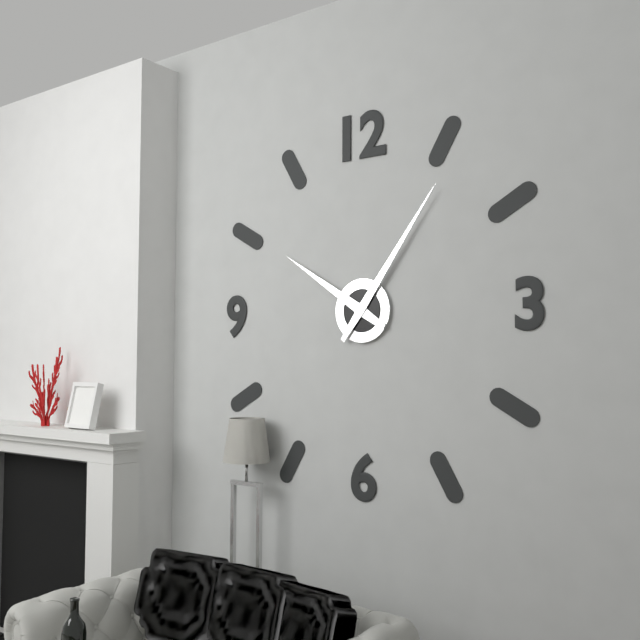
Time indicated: 10,06
